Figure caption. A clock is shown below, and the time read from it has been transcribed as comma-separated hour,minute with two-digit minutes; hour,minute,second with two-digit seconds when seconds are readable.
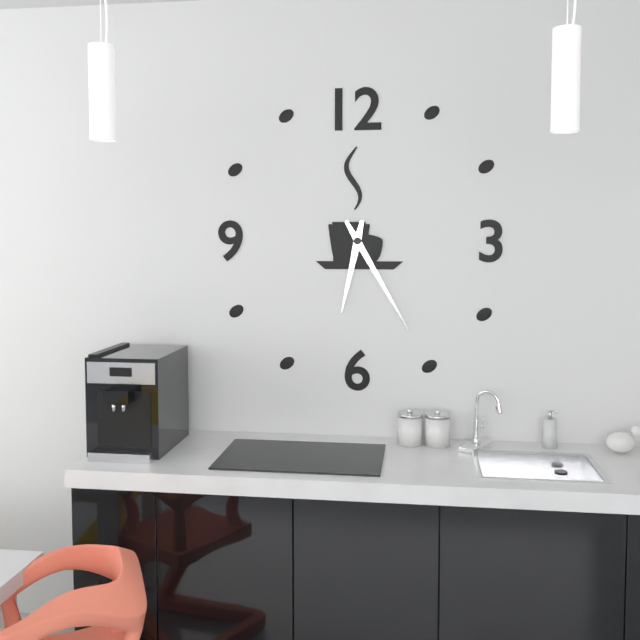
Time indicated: 6,25
